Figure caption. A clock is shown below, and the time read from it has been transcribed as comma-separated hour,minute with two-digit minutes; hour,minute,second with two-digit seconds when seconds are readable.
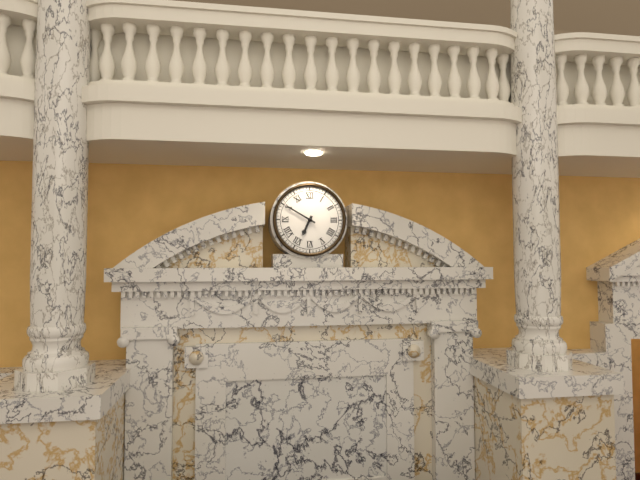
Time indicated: 6,50
